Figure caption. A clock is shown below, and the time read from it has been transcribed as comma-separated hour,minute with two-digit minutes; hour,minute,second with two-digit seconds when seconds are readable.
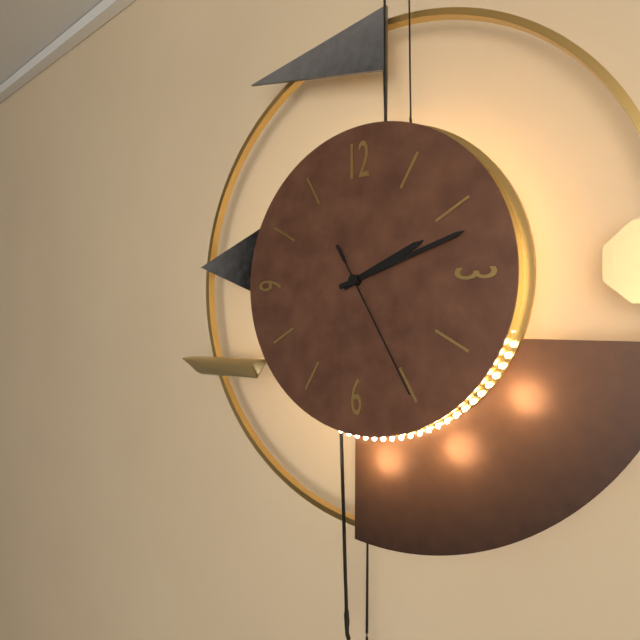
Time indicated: 2,12,25
